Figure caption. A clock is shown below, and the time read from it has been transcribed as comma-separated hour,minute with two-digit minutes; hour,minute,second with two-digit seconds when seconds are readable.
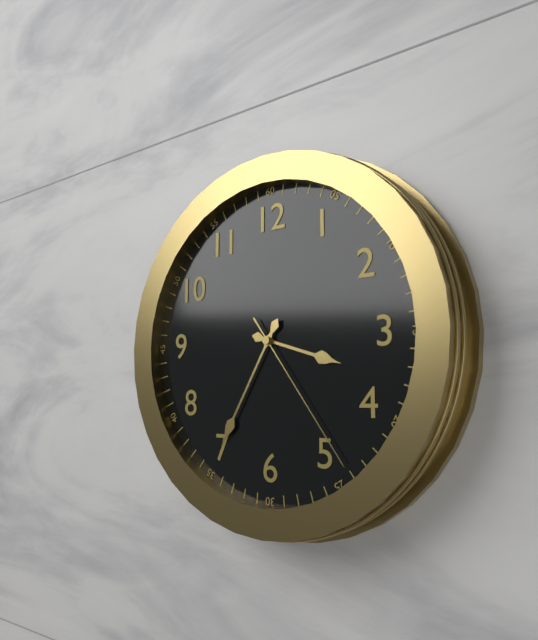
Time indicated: 3,35,24
